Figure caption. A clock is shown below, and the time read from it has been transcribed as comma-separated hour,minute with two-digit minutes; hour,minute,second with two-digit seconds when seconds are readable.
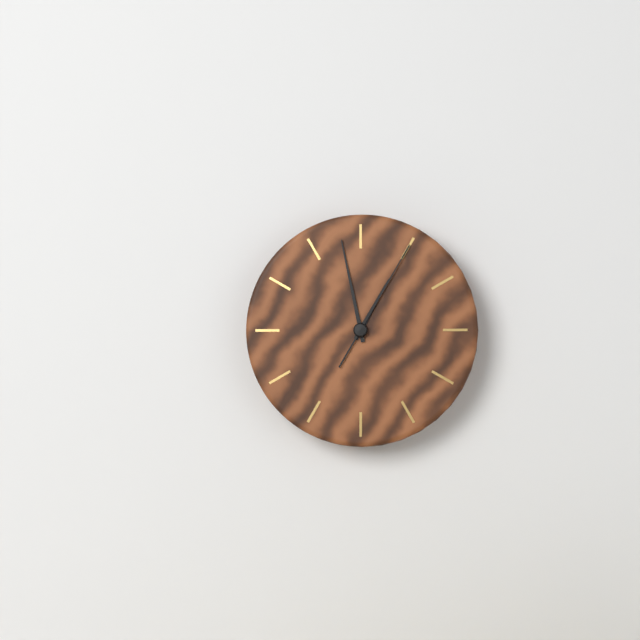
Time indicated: 12,58,05
